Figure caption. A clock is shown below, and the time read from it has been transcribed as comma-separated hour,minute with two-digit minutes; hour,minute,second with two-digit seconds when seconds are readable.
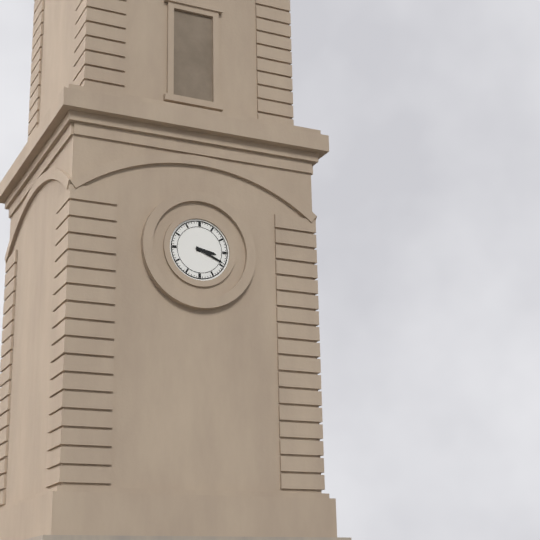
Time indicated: 3,19
